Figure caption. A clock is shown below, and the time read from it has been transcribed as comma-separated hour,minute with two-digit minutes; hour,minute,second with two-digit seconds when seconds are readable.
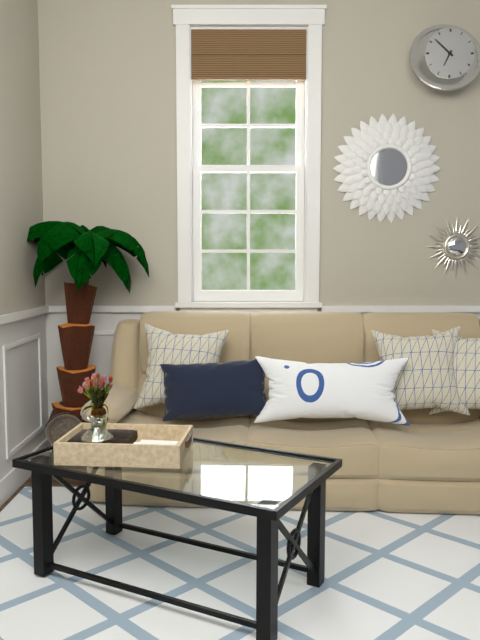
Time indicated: 6,52
